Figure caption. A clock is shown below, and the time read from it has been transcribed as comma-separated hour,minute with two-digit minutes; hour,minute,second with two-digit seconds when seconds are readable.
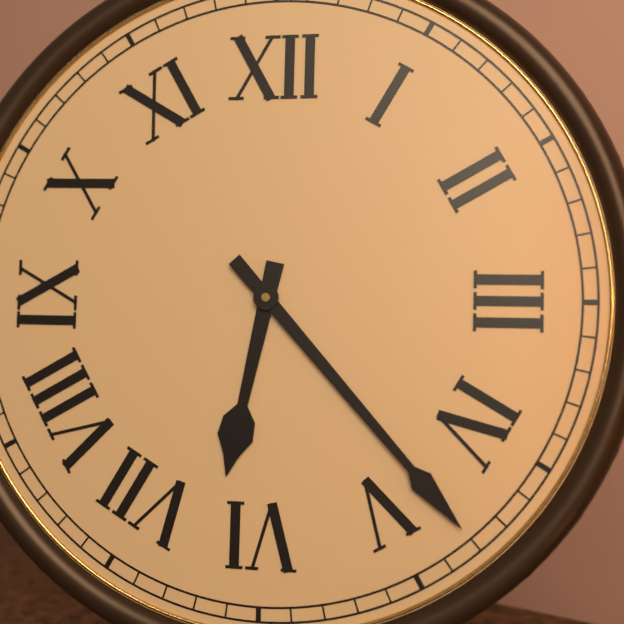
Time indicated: 6,23
